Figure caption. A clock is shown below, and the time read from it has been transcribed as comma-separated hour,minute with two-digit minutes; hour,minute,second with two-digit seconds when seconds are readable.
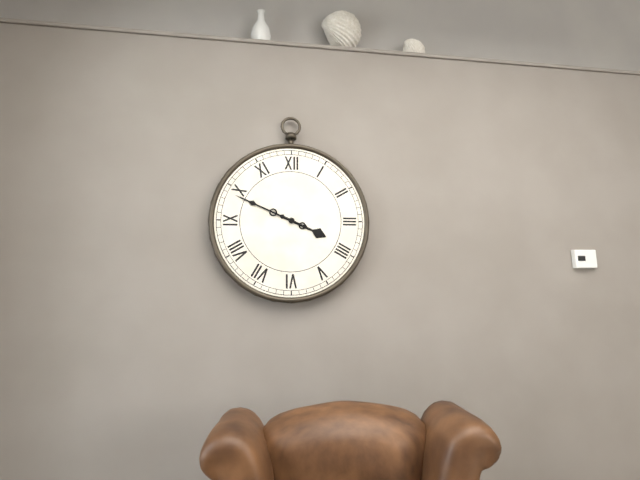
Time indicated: 3,49
